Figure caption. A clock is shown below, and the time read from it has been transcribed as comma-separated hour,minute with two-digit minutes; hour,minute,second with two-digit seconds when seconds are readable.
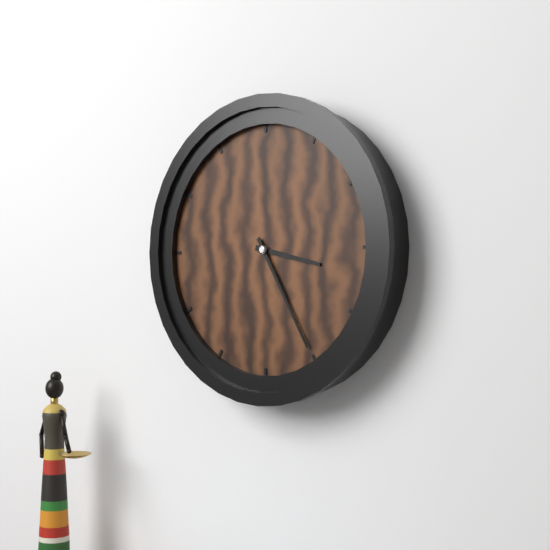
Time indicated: 3,25
